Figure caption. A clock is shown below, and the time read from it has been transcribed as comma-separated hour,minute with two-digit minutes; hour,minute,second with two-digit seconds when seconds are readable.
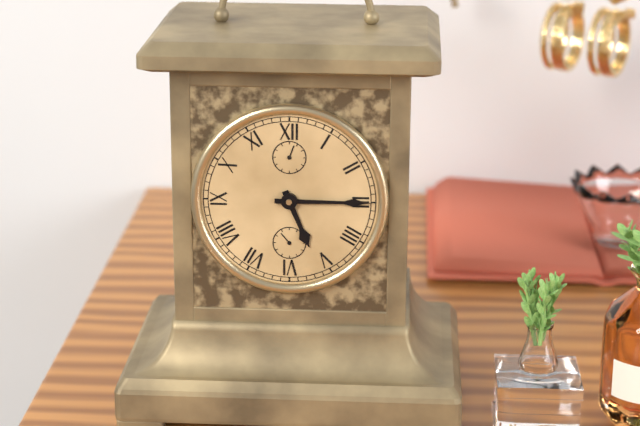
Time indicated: 5,15
